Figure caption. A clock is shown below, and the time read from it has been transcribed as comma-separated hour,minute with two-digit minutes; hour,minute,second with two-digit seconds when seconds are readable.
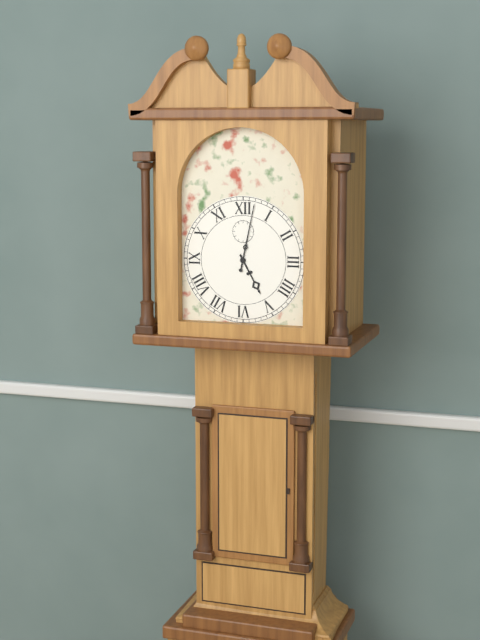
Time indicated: 5,02
